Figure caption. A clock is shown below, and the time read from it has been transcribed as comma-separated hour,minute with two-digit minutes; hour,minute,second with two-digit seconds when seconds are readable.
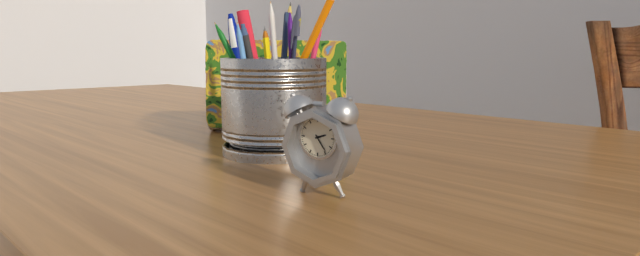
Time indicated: 2,24
